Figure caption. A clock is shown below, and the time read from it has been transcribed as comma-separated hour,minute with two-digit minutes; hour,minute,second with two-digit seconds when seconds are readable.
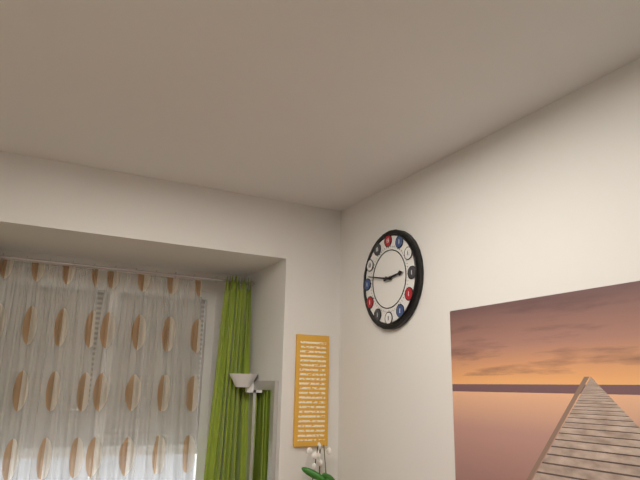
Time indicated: 2,47
